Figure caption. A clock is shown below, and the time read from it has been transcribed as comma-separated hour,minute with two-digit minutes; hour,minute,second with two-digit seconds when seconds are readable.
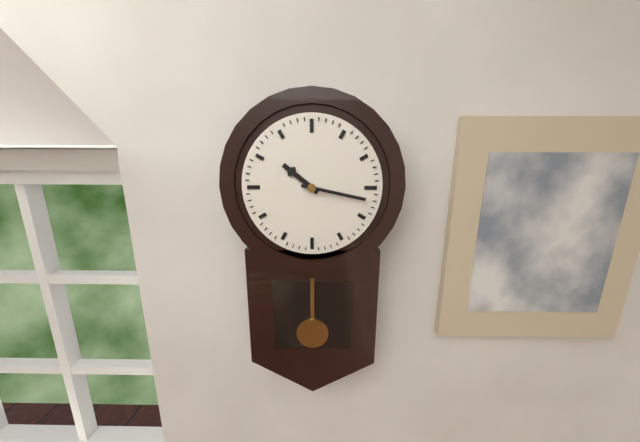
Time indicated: 10,17
